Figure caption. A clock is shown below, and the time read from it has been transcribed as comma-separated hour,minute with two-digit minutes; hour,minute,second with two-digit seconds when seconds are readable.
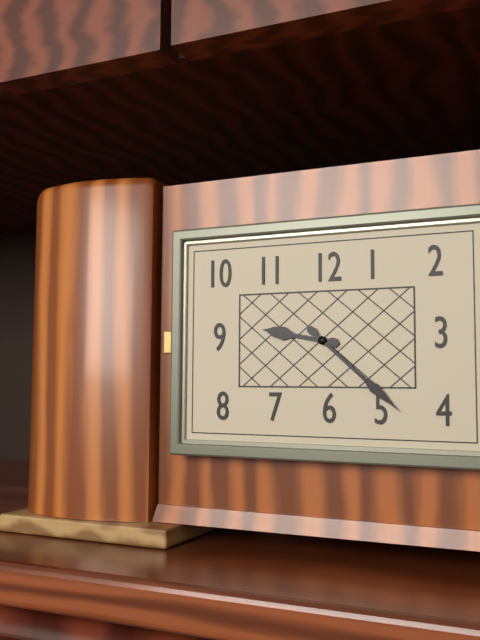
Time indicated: 9,22
